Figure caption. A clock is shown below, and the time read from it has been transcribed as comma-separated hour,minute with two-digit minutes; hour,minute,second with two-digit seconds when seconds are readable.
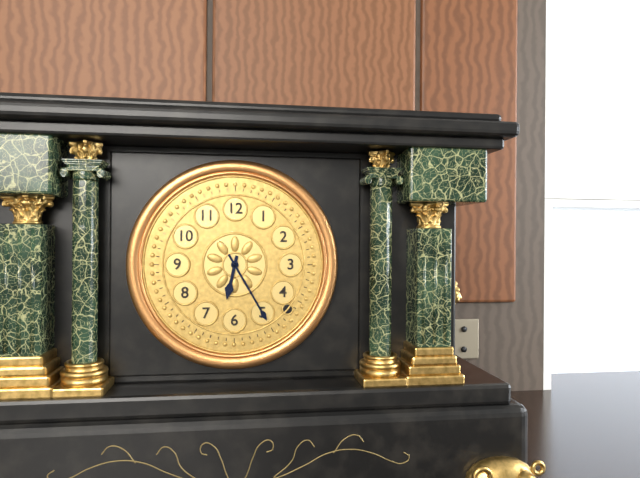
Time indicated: 6,25
